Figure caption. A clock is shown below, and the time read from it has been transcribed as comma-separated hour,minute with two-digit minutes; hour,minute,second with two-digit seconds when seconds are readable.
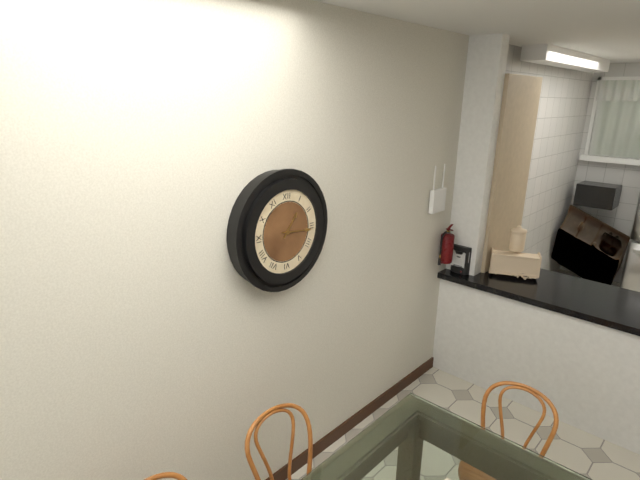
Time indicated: 1,16
